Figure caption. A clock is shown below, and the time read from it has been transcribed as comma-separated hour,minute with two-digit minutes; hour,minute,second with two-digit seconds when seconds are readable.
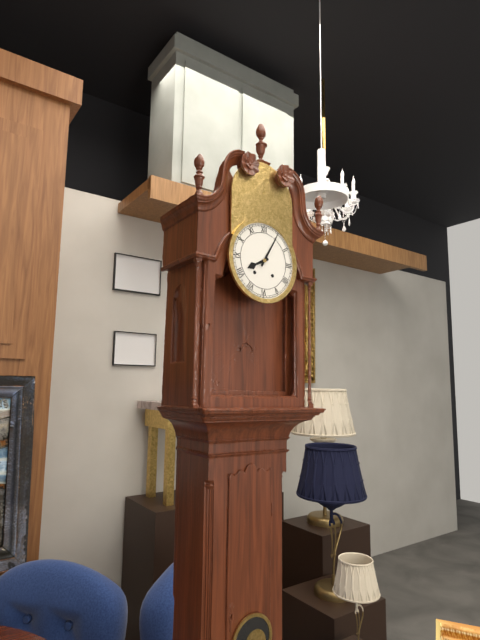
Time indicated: 8,05
